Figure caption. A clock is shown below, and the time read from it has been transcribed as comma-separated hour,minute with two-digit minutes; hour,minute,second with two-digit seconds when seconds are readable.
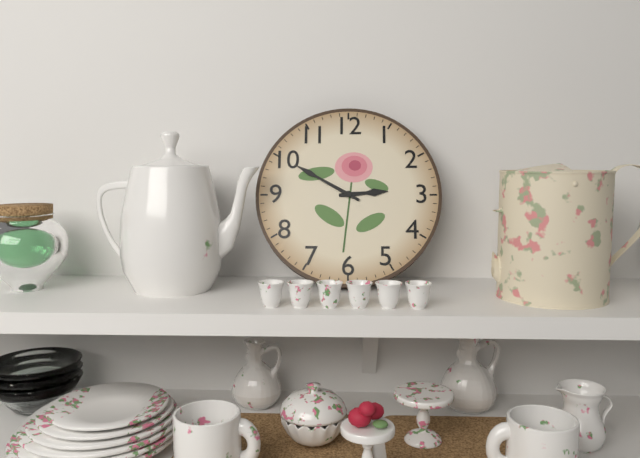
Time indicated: 2,50
